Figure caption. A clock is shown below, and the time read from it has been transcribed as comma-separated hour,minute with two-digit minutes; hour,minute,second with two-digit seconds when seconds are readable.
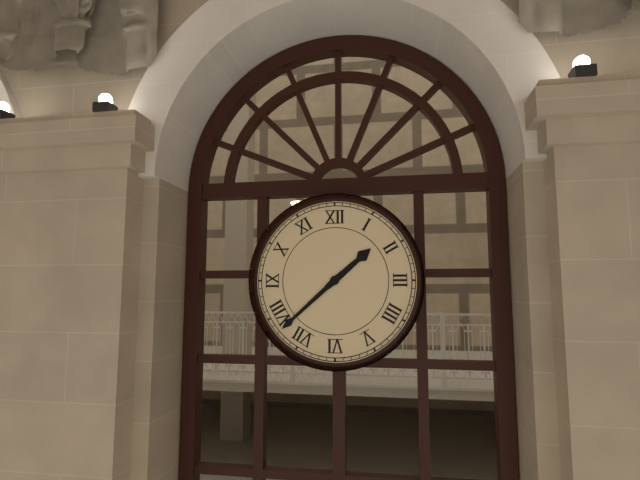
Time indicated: 1,38
